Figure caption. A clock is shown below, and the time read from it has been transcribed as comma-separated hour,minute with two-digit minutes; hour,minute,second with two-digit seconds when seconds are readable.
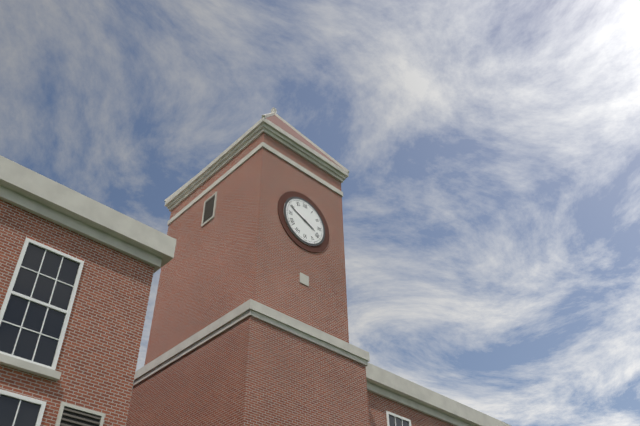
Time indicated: 3,49
